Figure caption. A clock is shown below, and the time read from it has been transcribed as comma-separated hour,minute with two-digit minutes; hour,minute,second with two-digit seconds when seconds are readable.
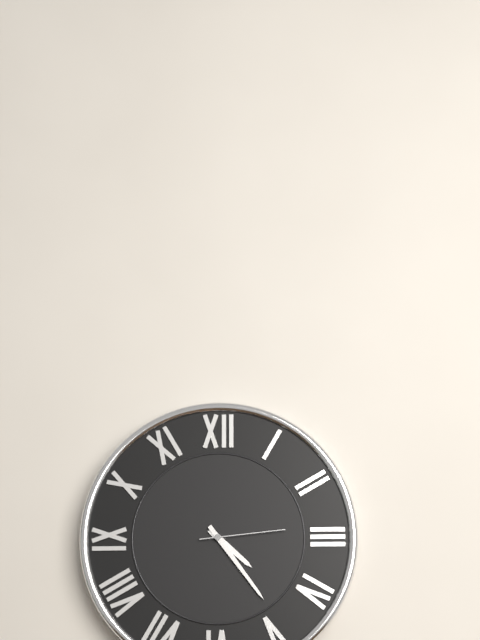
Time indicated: 4,24,14
